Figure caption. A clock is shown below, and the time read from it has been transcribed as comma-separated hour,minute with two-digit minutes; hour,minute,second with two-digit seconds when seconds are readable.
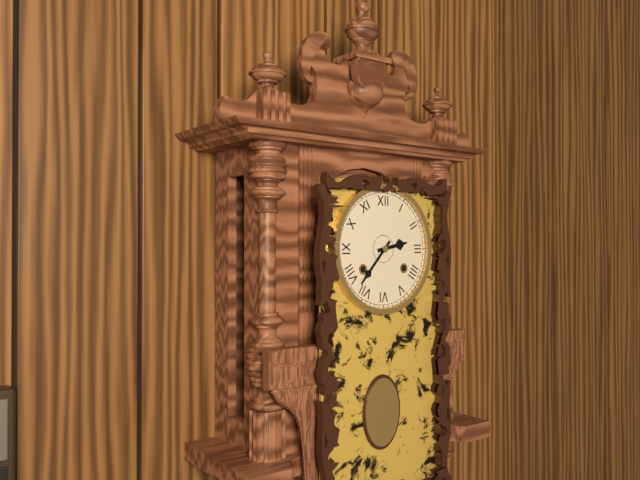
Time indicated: 2,37
